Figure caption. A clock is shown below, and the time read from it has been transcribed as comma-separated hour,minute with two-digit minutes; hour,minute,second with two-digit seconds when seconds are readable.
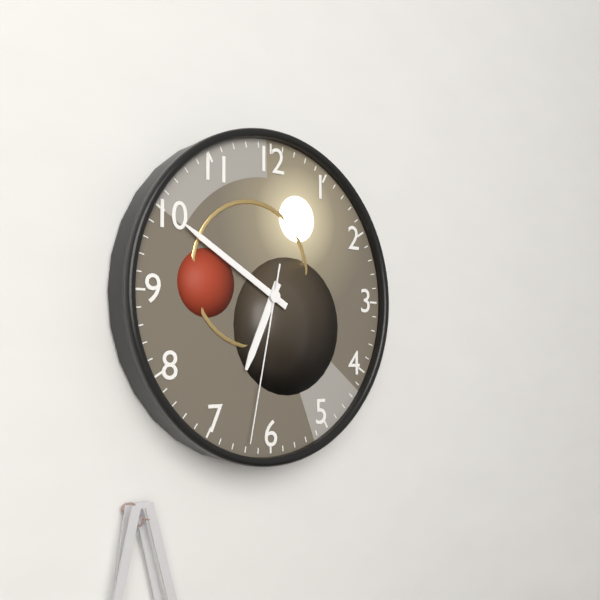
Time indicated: 6,50,32
